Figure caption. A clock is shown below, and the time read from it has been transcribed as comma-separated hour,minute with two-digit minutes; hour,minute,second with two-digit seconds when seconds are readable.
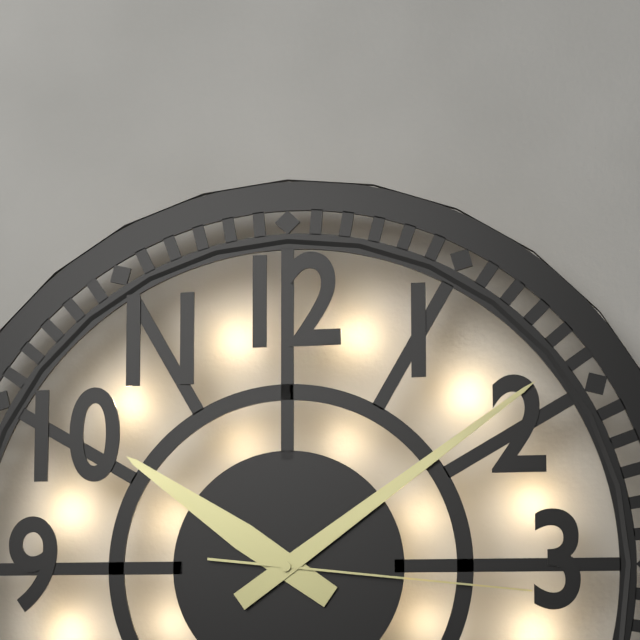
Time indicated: 10,09,16
